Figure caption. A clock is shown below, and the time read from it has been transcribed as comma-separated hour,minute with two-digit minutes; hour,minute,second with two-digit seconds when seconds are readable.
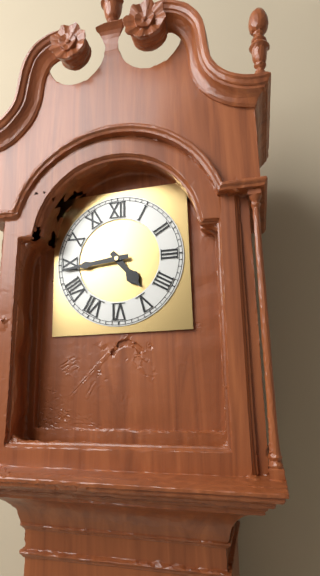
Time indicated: 4,44
